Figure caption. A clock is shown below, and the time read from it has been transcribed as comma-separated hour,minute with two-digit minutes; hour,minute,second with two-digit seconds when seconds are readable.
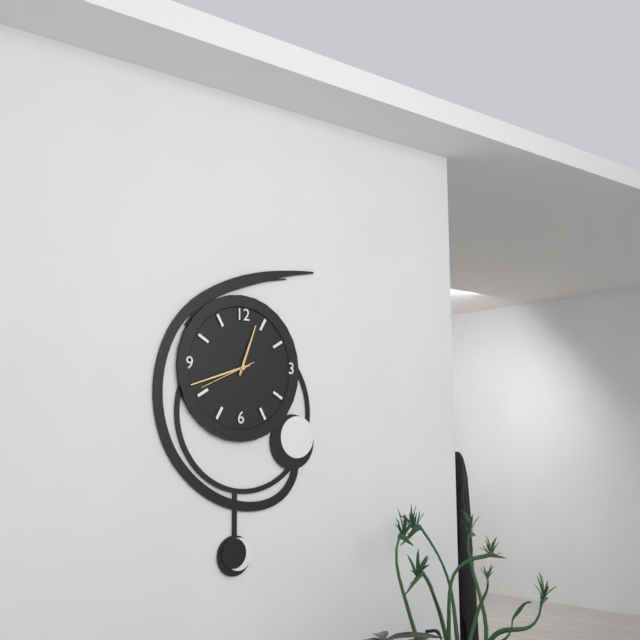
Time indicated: 12,42,41
